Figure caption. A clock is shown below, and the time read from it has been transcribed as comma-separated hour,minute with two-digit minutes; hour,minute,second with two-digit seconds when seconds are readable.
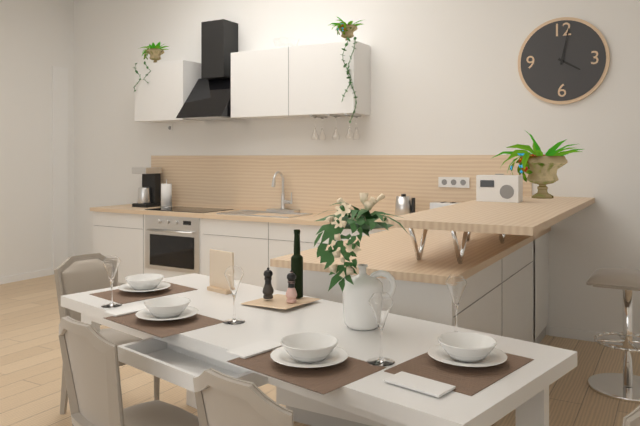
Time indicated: 4,02
